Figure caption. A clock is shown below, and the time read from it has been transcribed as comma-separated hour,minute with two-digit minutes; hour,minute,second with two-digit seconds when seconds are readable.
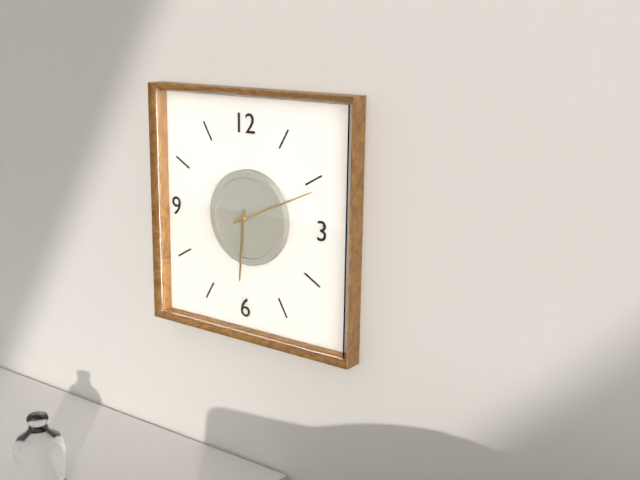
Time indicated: 6,11
